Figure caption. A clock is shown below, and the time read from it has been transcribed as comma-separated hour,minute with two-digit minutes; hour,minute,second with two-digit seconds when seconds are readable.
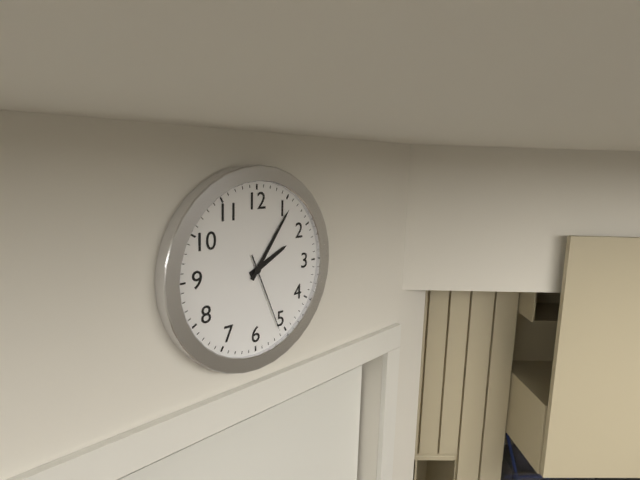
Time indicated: 2,06,26
